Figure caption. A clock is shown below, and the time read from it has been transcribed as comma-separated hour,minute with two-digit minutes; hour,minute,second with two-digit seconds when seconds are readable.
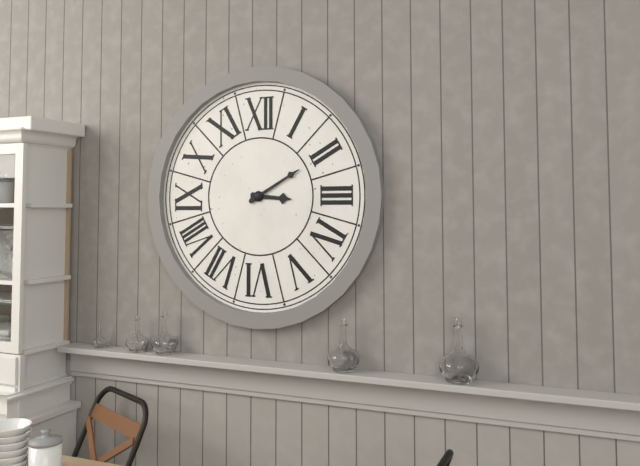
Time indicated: 3,10
